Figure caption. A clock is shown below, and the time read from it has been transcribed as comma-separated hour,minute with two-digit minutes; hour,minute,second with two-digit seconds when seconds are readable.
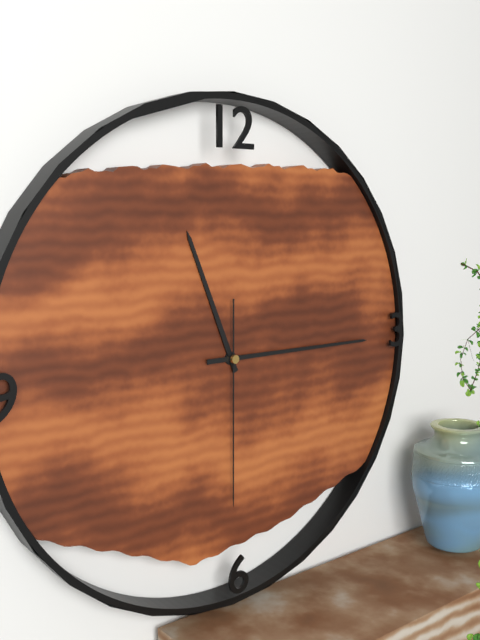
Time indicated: 11,15,30
